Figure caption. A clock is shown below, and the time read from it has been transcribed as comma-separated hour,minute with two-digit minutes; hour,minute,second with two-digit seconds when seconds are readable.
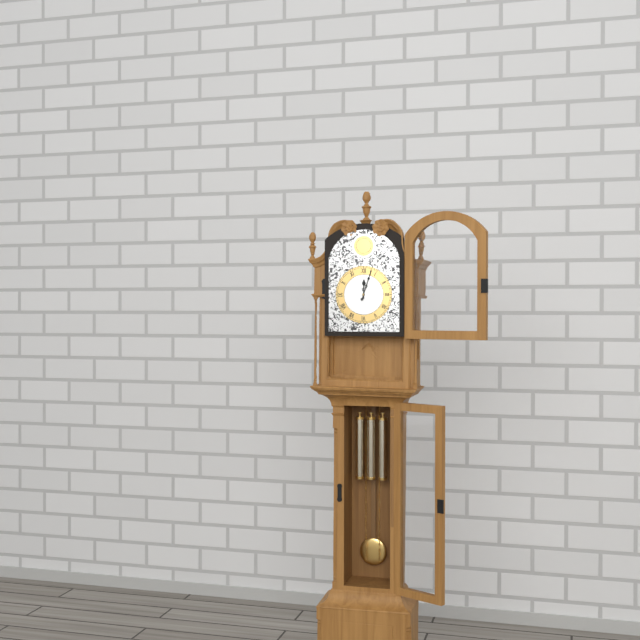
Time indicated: 12,03
